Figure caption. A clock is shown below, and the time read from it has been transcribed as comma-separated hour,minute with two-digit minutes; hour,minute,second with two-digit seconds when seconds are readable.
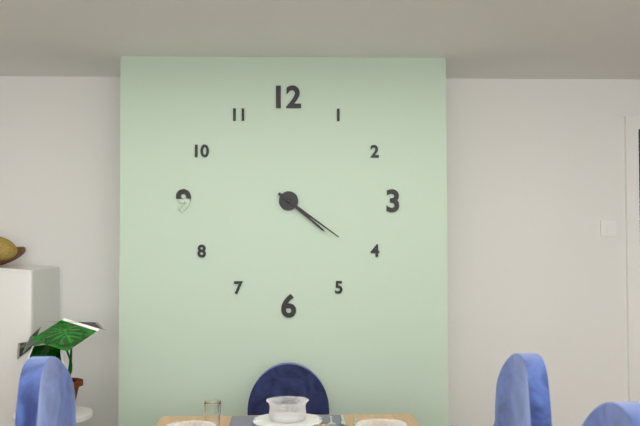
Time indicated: 4,21
